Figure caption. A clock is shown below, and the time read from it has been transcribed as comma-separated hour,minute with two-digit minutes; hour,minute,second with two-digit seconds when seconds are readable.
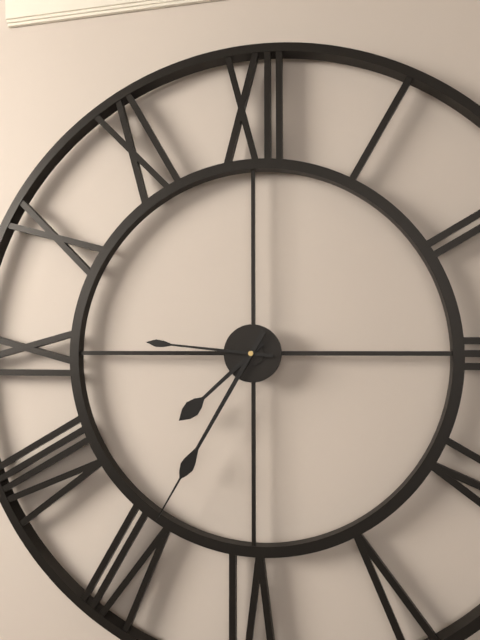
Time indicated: 7,35,46
